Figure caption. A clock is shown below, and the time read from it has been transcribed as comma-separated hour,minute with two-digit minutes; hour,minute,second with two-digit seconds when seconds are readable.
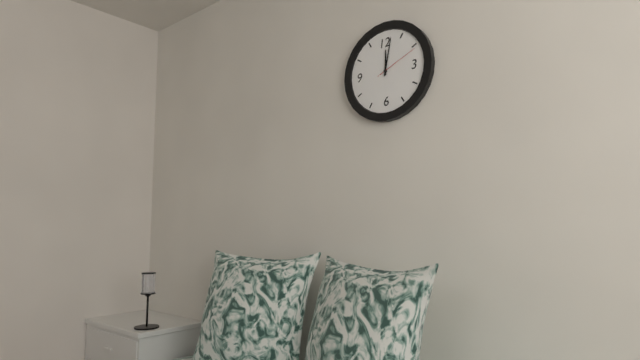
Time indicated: 12,02
